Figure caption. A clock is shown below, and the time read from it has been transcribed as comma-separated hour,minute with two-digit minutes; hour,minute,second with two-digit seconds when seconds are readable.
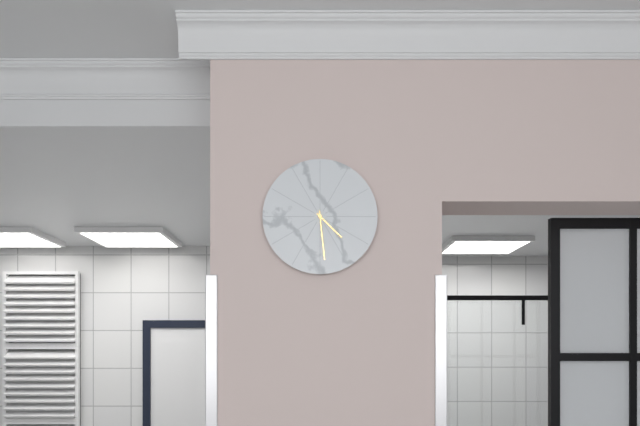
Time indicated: 4,29
